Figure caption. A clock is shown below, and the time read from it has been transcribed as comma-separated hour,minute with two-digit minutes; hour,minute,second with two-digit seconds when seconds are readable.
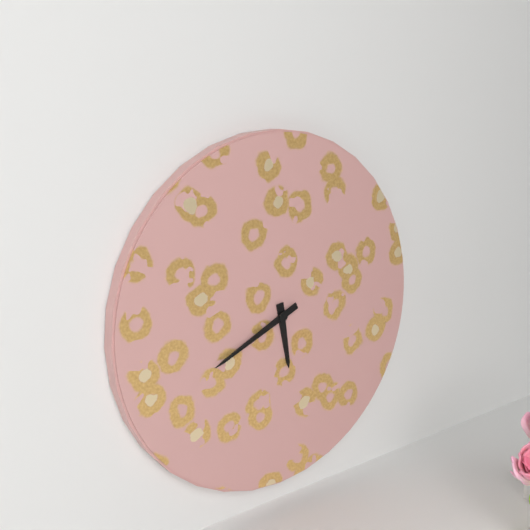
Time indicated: 5,41
